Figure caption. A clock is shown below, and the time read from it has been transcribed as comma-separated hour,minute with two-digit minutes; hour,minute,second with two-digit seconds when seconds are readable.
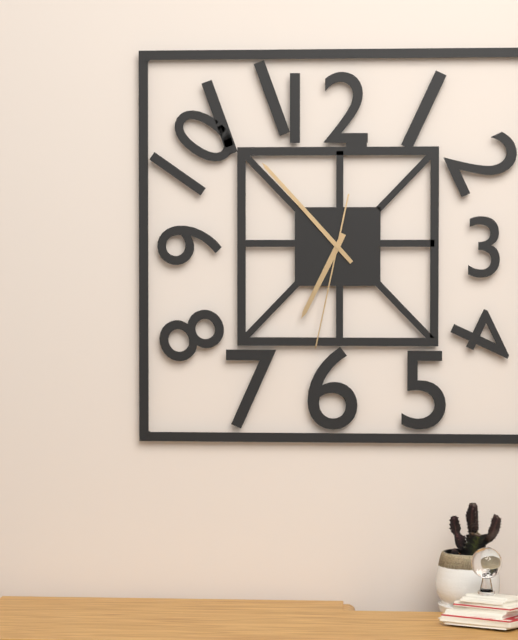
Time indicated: 6,53,32
